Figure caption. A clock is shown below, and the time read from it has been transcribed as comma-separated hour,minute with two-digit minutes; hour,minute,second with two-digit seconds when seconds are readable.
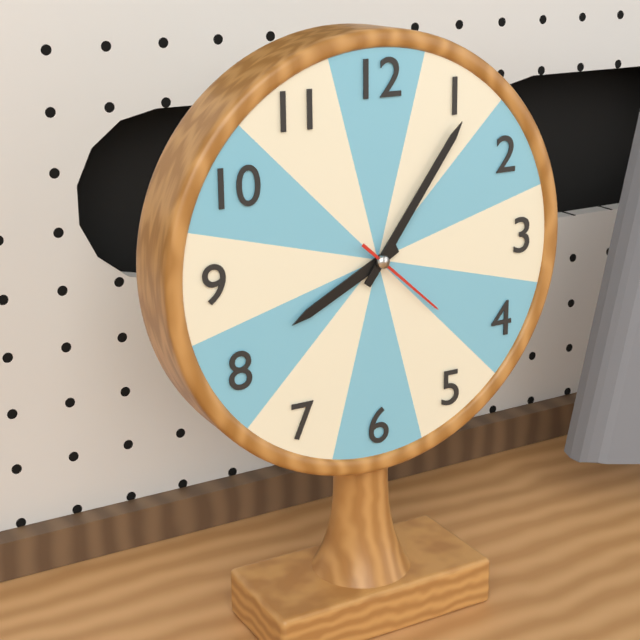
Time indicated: 8,06,22
